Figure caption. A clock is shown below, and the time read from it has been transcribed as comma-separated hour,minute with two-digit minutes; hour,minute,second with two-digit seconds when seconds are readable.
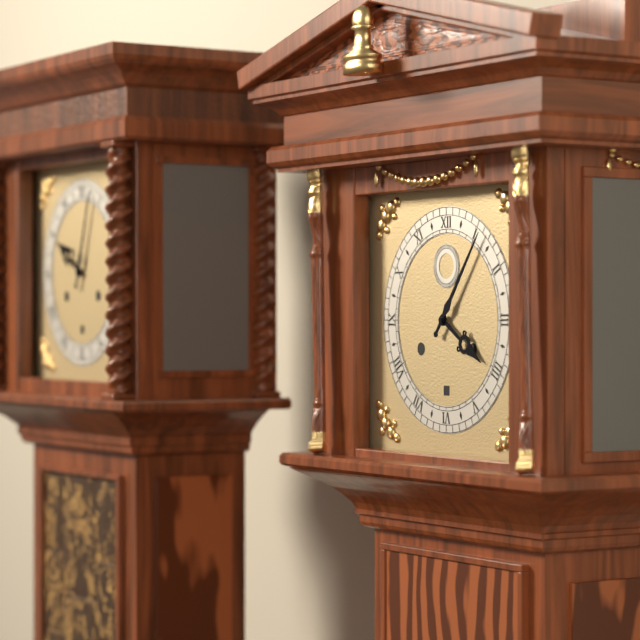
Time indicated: 4,06
